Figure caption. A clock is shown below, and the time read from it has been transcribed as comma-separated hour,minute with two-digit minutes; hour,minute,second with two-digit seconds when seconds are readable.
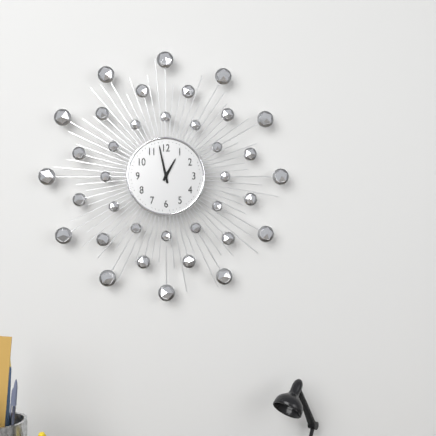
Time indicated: 12,58
